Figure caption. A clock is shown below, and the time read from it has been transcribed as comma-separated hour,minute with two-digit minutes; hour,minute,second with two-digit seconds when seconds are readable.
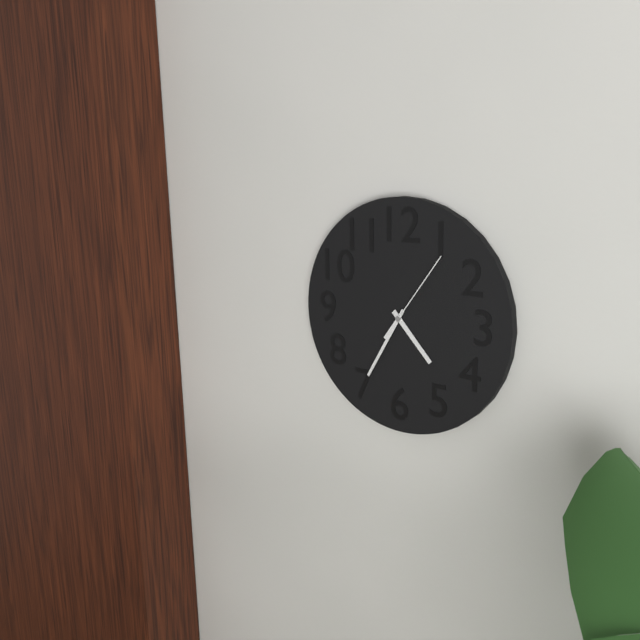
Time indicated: 4,35,06
